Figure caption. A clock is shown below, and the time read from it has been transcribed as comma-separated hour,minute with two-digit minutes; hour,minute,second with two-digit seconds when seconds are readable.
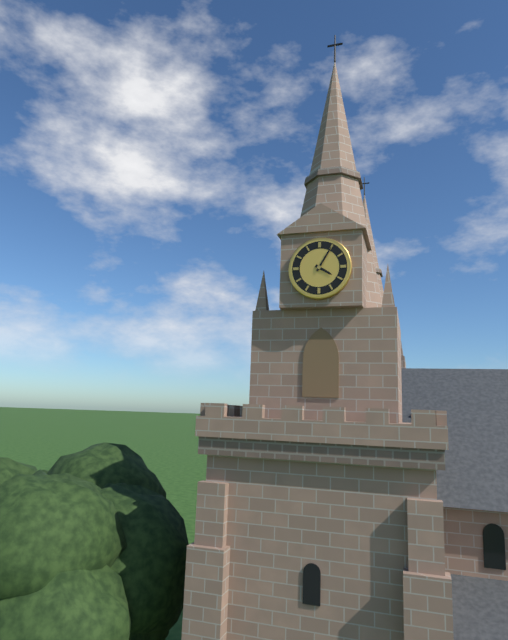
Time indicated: 4,05
